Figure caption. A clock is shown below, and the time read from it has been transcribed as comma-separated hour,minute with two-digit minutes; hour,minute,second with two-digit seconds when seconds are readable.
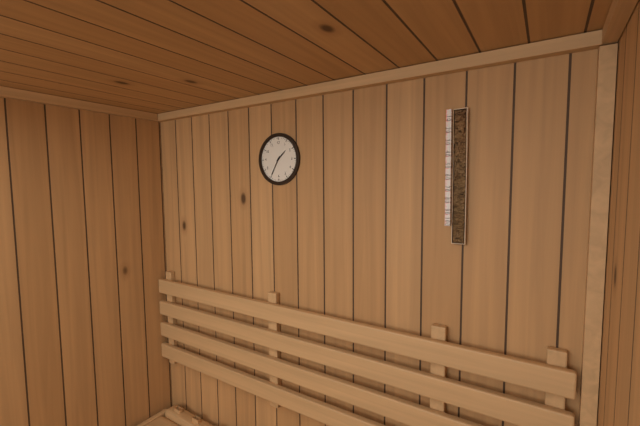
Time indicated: 1,35
